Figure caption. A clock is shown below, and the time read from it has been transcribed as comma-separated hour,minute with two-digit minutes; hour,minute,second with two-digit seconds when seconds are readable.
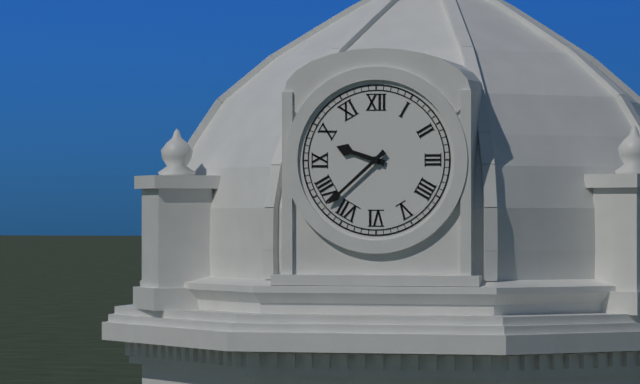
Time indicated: 9,38
